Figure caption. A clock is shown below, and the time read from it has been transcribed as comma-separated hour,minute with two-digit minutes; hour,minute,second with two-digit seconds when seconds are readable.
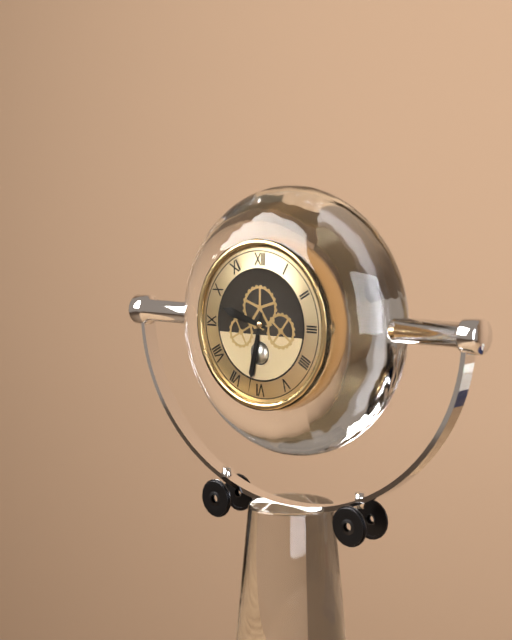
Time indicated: 9,32
